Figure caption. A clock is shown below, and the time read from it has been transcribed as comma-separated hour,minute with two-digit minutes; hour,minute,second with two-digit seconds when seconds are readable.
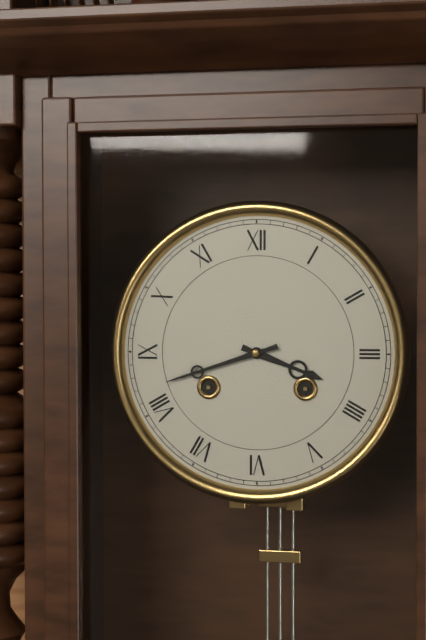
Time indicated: 3,42
